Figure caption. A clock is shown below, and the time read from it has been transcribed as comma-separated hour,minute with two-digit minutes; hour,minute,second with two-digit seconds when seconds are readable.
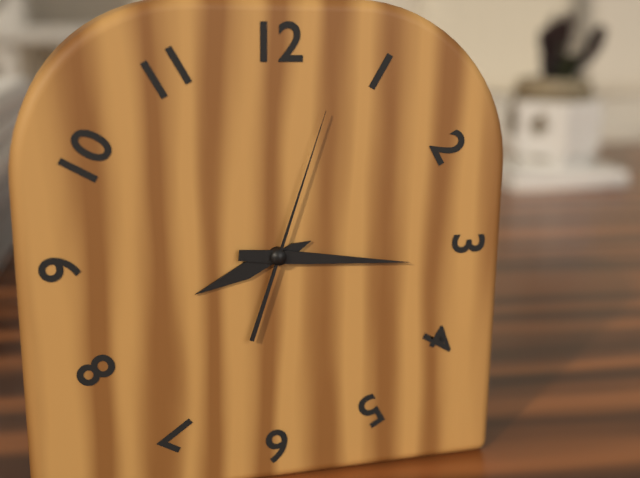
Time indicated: 8,16,03
